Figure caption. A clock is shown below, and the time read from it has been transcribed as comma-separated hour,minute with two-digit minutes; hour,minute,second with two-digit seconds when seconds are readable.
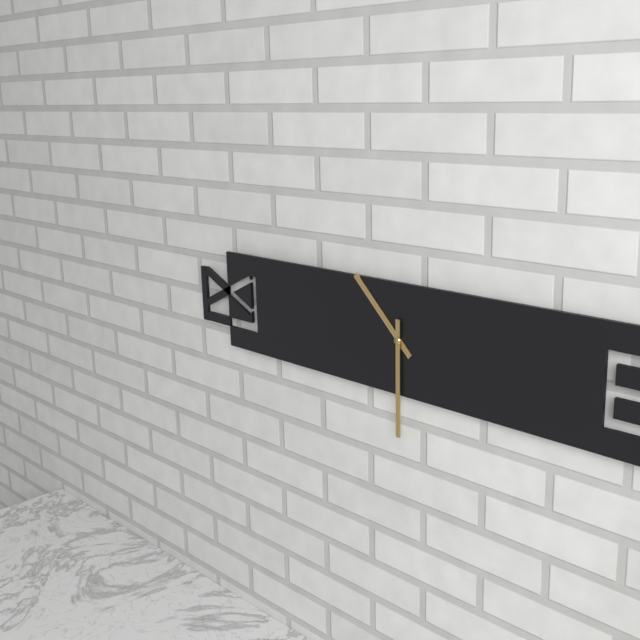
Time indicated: 10,30
